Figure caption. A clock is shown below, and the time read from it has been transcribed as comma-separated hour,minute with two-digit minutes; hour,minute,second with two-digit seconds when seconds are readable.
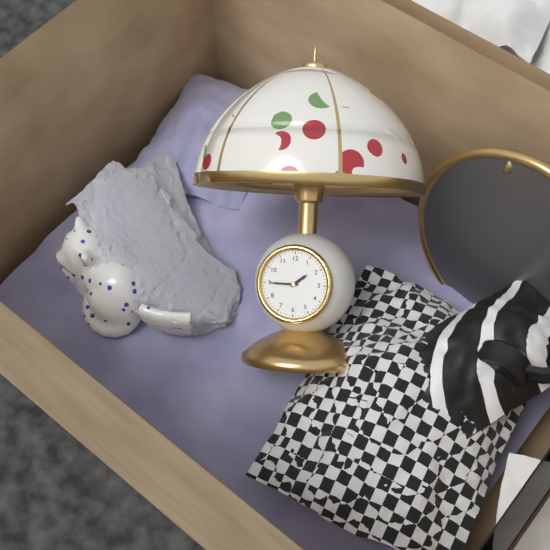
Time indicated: 1,45
